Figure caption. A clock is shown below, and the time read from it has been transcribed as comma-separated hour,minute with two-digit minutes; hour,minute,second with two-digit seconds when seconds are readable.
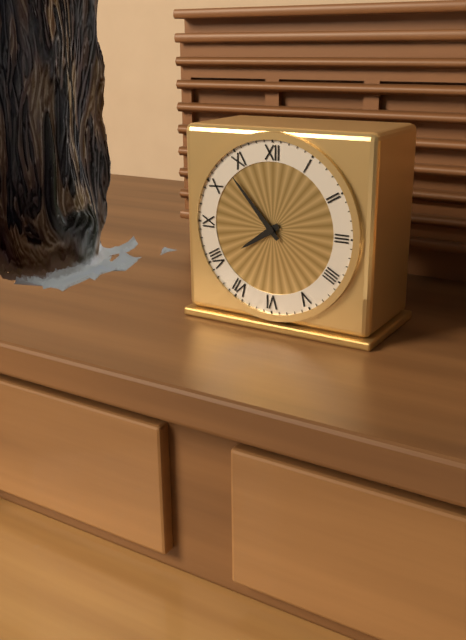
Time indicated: 7,53
